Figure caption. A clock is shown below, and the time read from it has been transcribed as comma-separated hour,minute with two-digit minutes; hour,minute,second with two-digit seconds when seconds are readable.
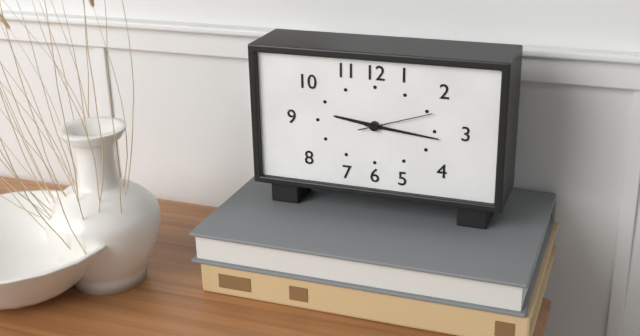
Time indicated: 9,16,12
